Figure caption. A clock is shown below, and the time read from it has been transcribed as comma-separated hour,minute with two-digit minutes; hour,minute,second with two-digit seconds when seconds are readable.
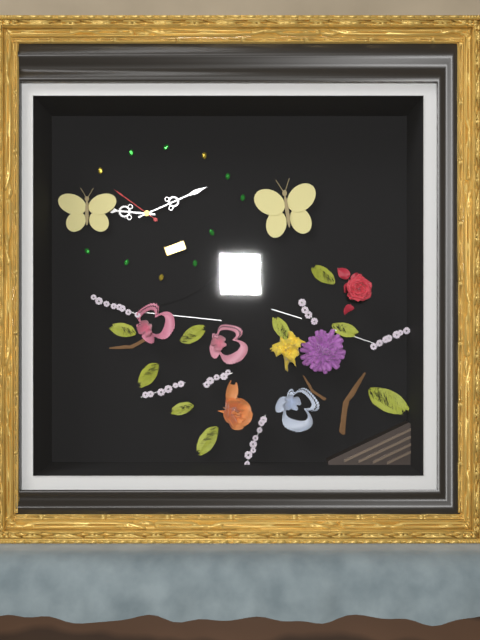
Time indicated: 9,11,51
